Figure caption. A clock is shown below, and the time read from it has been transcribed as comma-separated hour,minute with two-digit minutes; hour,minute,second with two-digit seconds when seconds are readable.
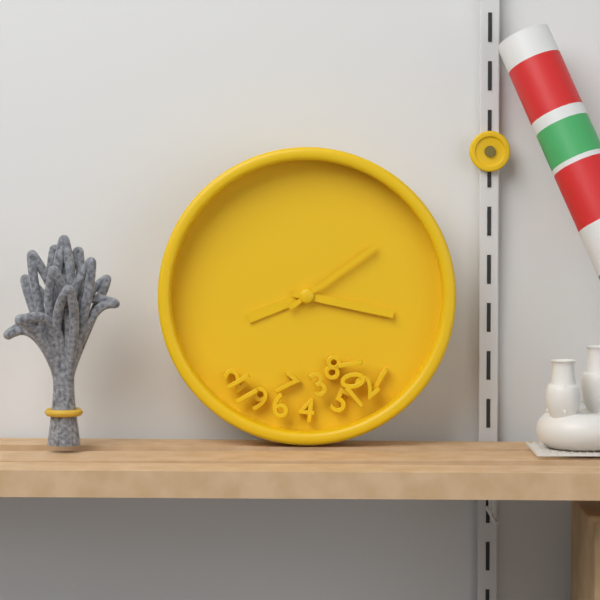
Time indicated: 8,17,09
